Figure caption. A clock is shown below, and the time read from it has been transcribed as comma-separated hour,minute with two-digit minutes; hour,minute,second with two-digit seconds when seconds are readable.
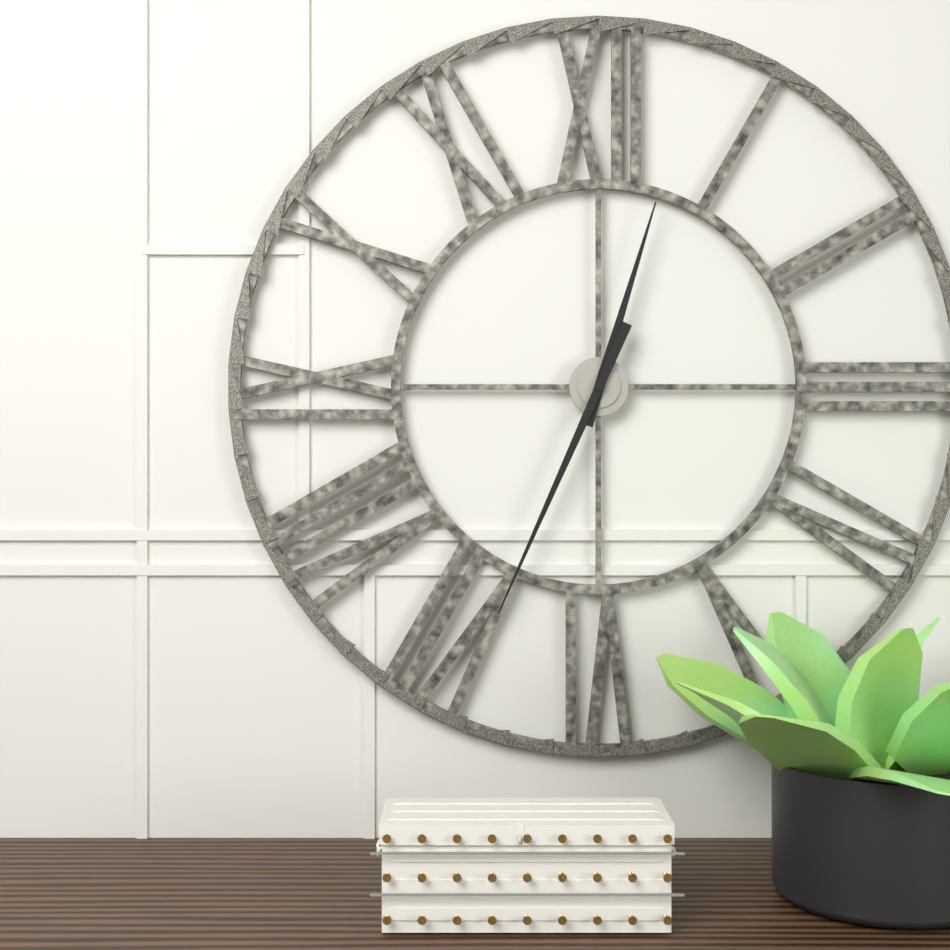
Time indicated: 12,34
